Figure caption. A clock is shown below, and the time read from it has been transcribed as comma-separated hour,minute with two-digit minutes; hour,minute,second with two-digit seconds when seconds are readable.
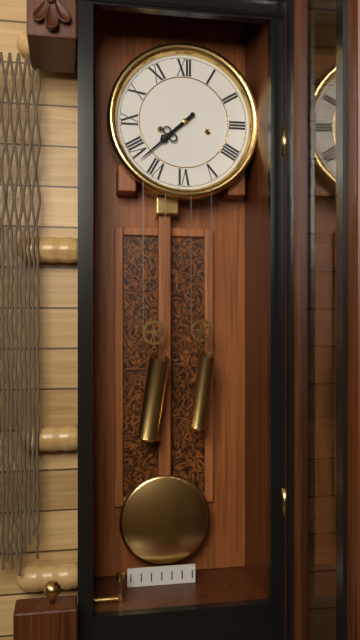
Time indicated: 7,38
